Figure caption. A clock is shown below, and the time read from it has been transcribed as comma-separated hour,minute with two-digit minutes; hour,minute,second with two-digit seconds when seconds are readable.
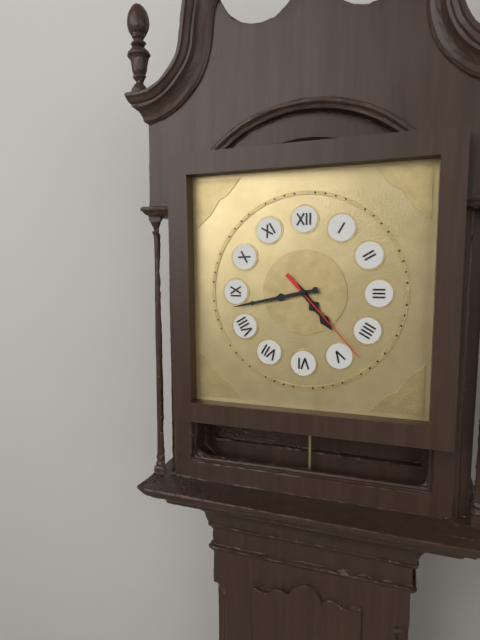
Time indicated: 4,43,23
